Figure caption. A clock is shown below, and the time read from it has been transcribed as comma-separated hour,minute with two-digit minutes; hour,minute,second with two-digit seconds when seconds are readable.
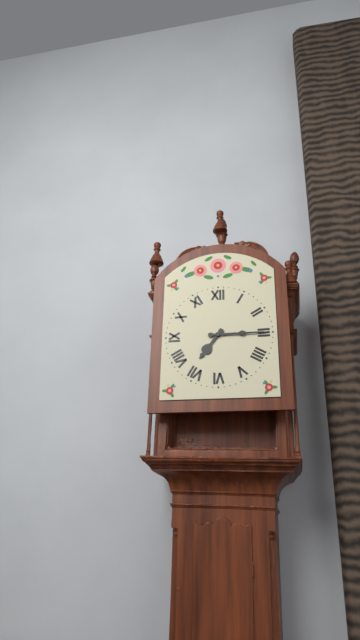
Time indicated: 7,15
